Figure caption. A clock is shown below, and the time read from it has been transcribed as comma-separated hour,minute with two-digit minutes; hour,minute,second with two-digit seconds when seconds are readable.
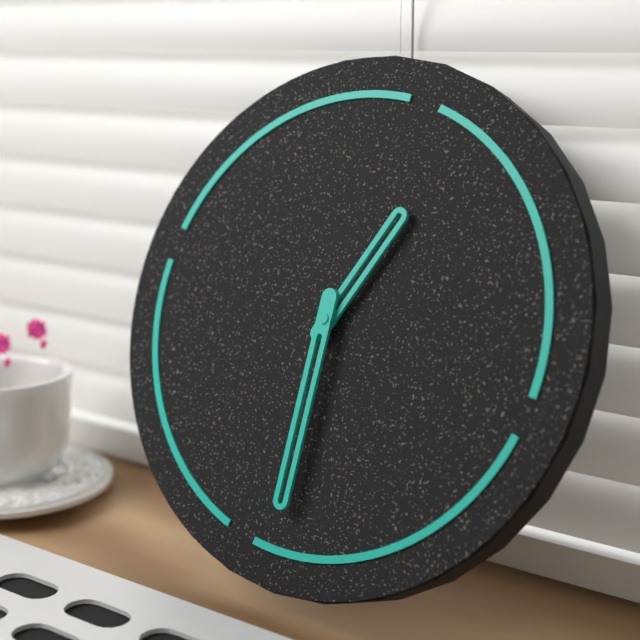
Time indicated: 12,28
